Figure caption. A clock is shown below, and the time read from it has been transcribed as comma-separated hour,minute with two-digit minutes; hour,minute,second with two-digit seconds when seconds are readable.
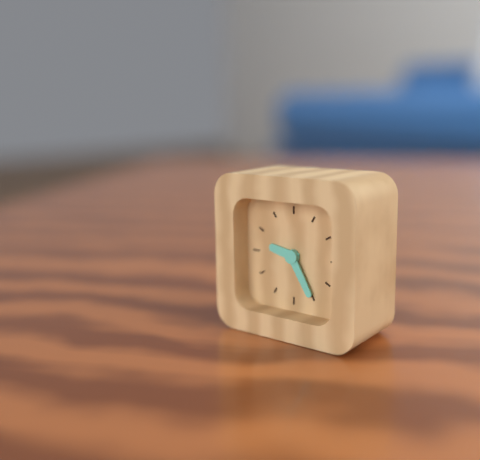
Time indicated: 9,25
